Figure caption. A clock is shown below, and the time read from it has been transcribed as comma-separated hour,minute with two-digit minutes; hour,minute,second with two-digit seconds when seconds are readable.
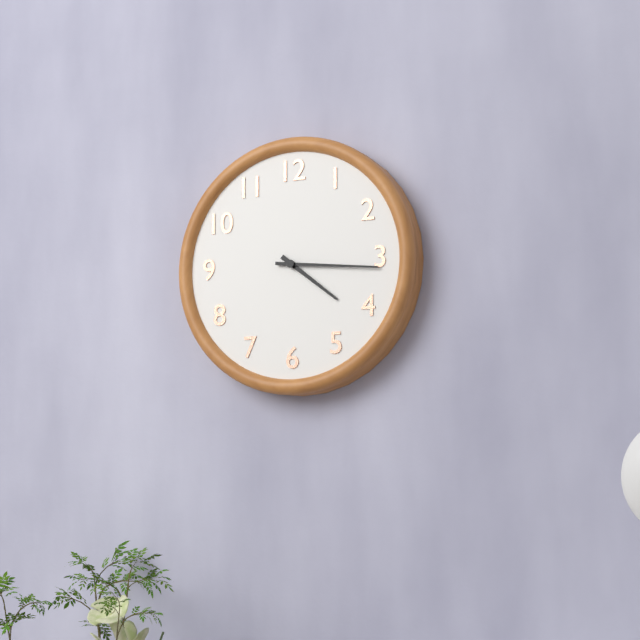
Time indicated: 4,16
